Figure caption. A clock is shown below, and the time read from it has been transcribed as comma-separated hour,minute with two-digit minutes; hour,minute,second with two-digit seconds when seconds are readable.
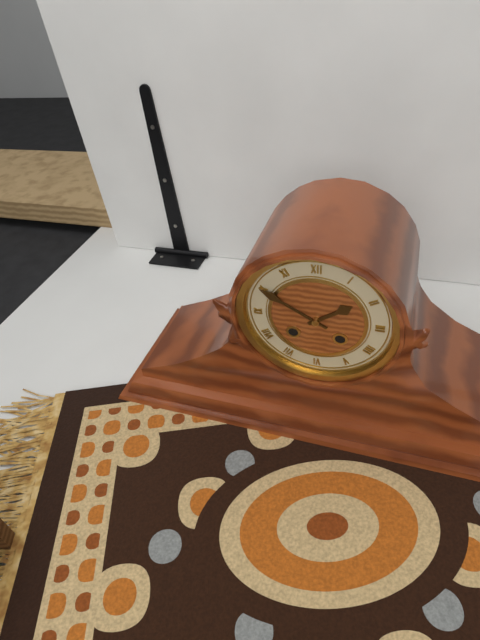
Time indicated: 1,50
